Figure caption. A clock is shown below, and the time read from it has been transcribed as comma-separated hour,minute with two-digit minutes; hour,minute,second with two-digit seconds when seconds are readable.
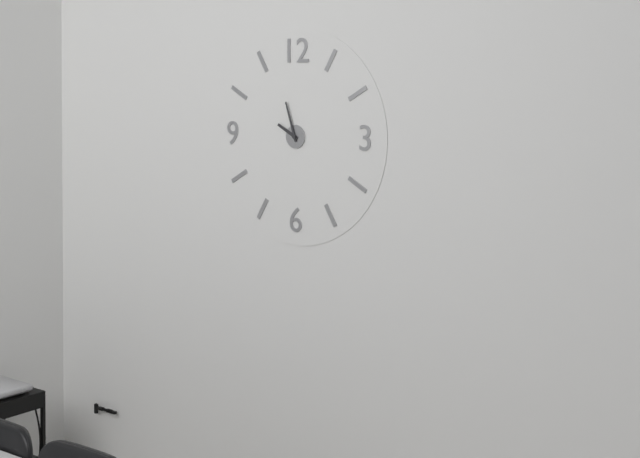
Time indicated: 9,57
